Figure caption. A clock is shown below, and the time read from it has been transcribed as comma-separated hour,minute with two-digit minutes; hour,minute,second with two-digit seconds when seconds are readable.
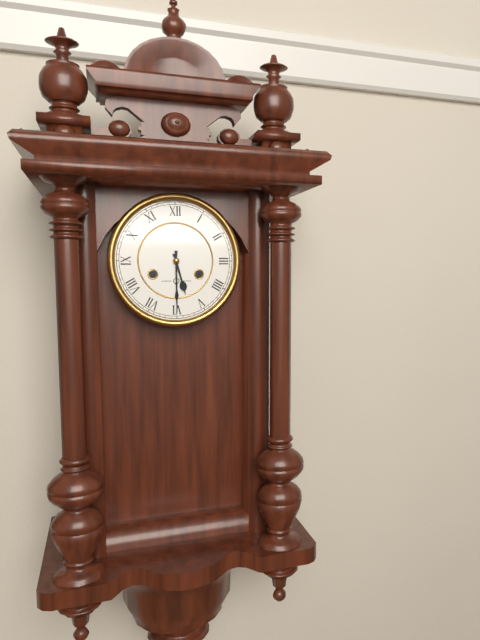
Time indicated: 5,30
